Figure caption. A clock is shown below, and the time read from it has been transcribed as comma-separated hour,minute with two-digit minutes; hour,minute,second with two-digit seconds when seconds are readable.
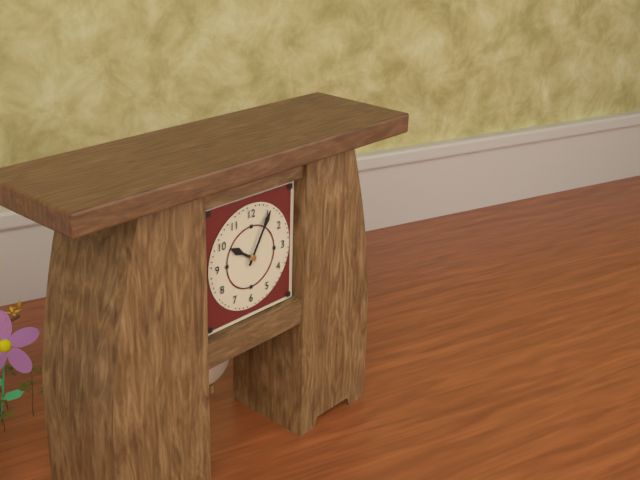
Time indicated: 10,05
